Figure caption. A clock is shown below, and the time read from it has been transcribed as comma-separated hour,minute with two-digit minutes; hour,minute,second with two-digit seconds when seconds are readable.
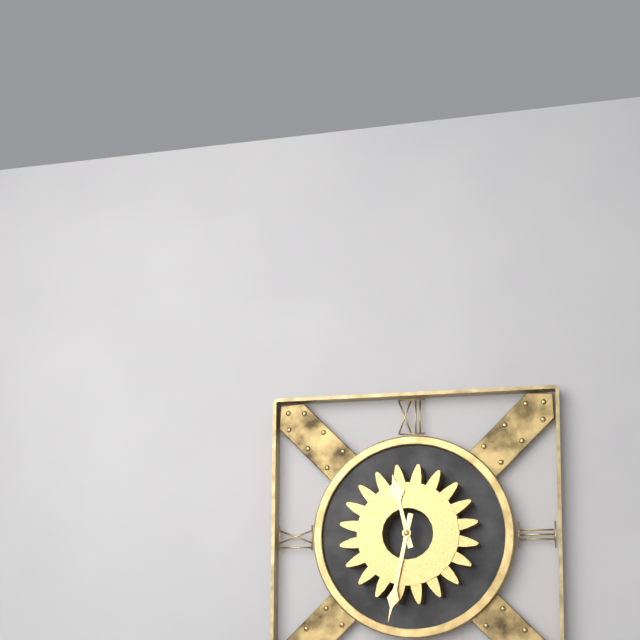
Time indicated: 11,32
